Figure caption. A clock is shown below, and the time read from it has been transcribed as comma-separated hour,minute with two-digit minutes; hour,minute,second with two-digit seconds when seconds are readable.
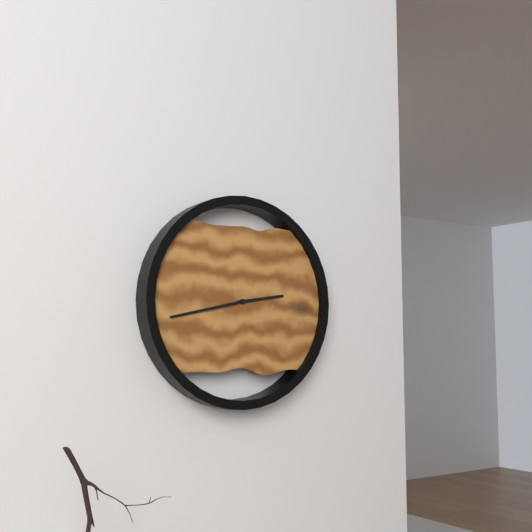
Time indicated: 2,43
